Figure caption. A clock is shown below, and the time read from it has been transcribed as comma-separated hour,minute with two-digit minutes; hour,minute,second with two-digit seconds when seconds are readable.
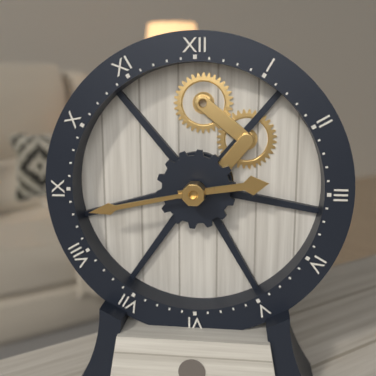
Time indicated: 2,43
